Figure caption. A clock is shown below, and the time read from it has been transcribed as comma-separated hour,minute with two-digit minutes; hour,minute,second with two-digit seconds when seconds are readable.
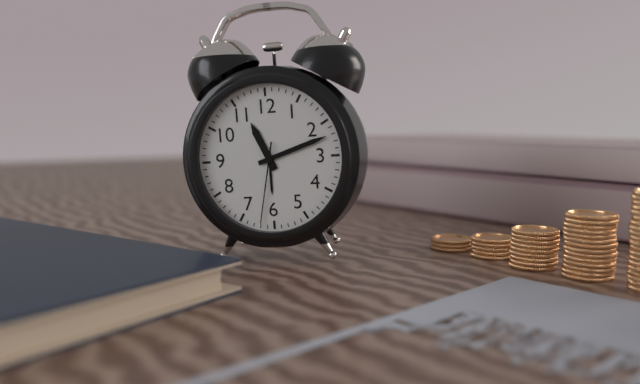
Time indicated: 11,12,32
